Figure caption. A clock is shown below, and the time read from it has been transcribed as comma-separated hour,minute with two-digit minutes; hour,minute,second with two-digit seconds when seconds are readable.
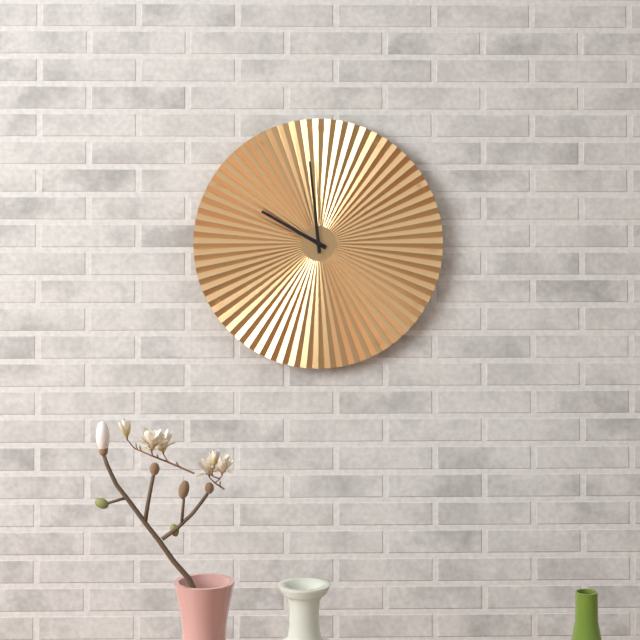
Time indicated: 9,59
